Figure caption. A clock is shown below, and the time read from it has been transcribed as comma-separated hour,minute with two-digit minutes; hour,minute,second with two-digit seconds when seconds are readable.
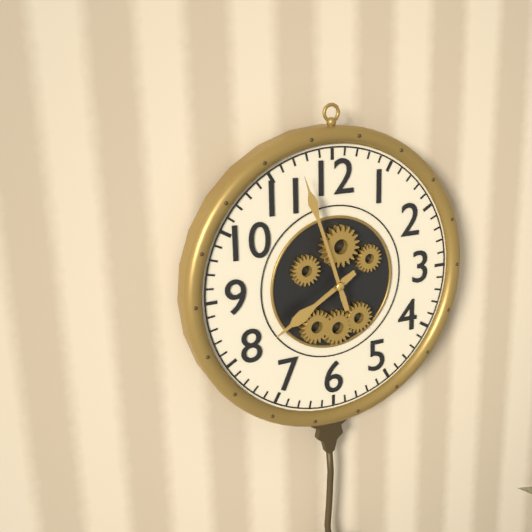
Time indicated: 7,57
